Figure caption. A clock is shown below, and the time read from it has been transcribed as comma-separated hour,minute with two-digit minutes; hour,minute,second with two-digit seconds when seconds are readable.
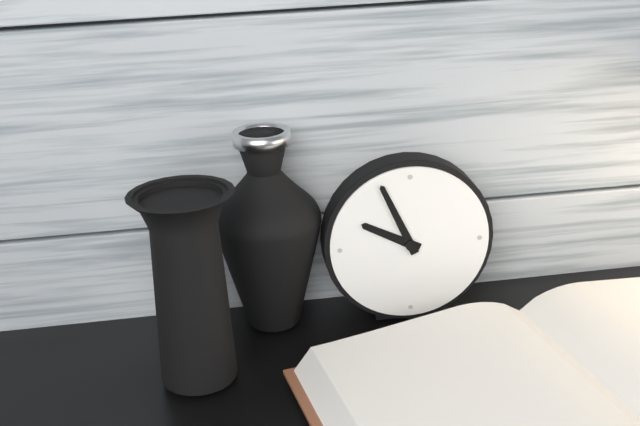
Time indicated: 9,56
